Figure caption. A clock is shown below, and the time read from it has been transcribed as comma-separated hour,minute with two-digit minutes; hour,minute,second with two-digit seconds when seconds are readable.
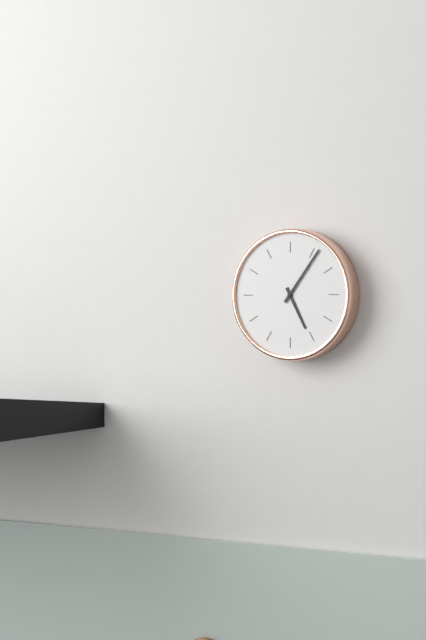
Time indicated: 5,06
